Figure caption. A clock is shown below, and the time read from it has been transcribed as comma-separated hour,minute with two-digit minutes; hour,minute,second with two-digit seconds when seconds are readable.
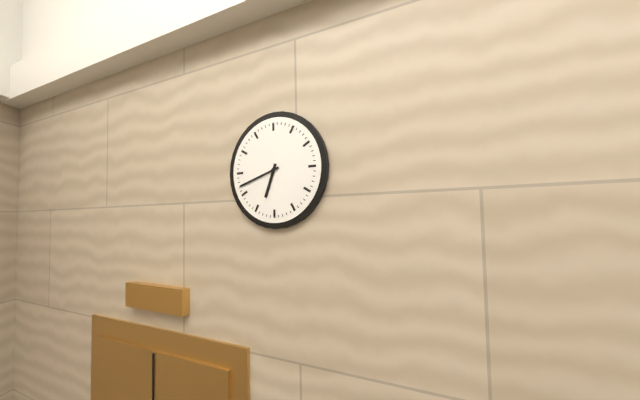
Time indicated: 6,42
